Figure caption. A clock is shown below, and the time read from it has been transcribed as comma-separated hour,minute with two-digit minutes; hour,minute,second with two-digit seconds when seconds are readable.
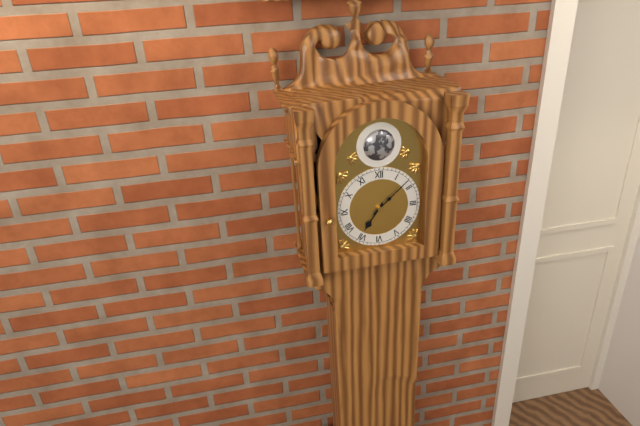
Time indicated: 7,08
